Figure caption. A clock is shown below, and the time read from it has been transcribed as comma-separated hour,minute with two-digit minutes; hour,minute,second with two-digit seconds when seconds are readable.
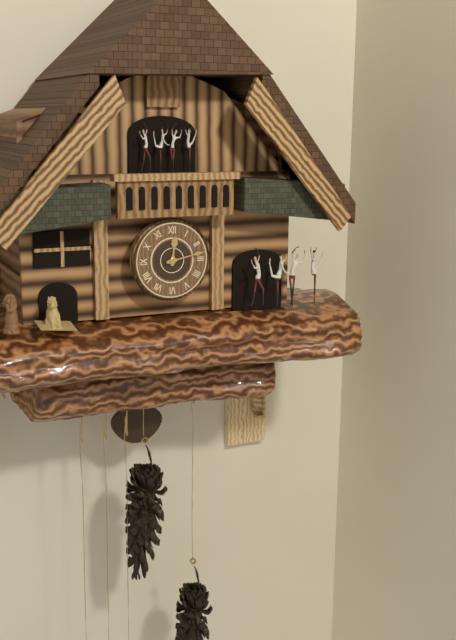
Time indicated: 12,13
